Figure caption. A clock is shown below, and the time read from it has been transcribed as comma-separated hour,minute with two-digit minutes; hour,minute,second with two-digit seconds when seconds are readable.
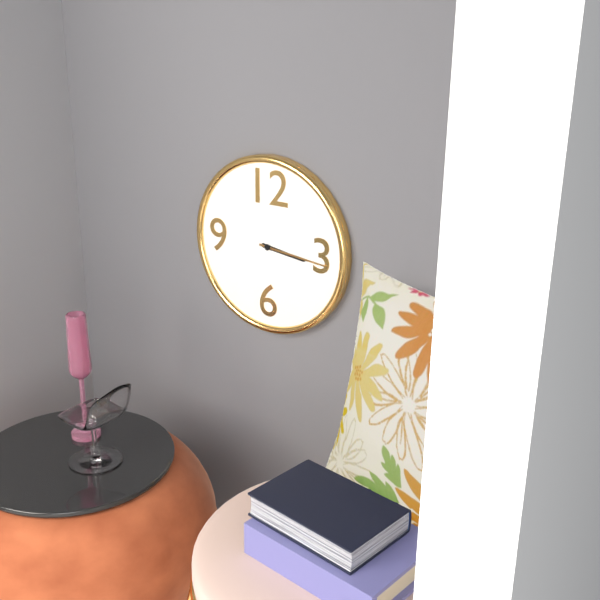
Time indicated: 3,16
